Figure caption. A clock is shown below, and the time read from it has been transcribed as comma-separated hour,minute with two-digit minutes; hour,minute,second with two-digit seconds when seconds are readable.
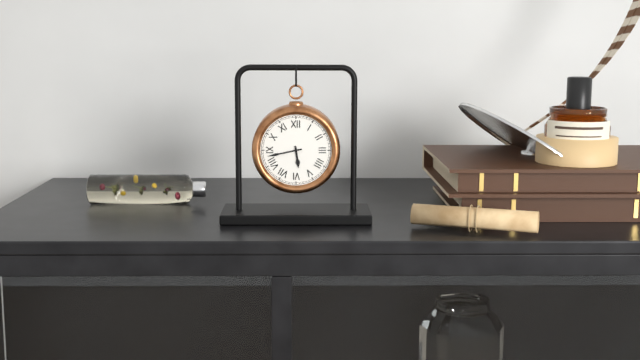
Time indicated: 5,43
